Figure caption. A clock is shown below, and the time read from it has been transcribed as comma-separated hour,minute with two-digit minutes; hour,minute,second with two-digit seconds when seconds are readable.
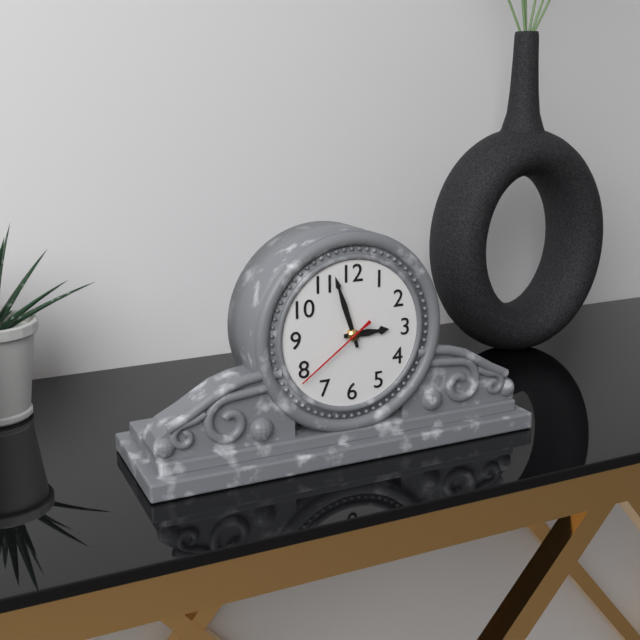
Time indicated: 2,57,39
